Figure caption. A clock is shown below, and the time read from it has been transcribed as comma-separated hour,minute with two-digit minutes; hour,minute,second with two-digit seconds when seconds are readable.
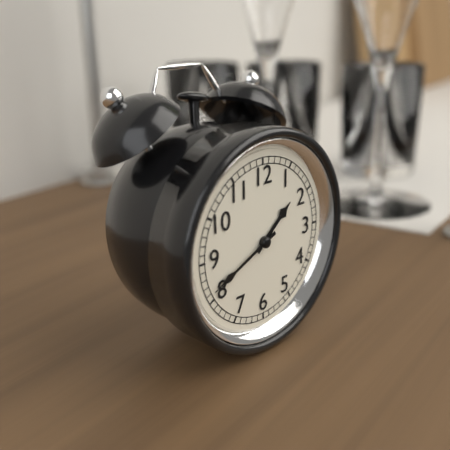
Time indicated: 1,41
